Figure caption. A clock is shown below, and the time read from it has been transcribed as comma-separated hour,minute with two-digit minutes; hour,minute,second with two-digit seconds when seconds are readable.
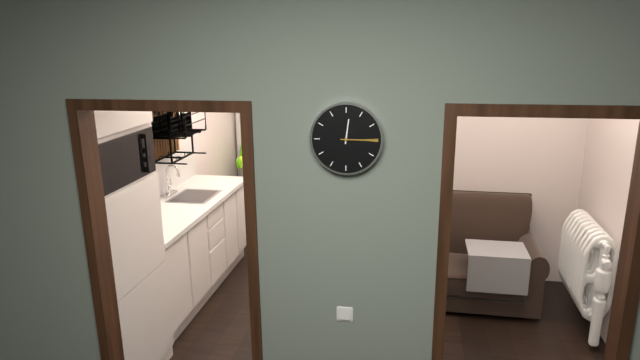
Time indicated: 12,15
